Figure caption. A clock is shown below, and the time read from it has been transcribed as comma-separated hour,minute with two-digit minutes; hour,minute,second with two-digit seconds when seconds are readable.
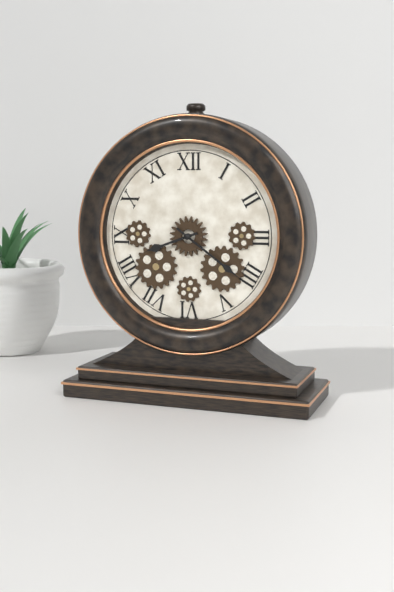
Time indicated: 8,21
